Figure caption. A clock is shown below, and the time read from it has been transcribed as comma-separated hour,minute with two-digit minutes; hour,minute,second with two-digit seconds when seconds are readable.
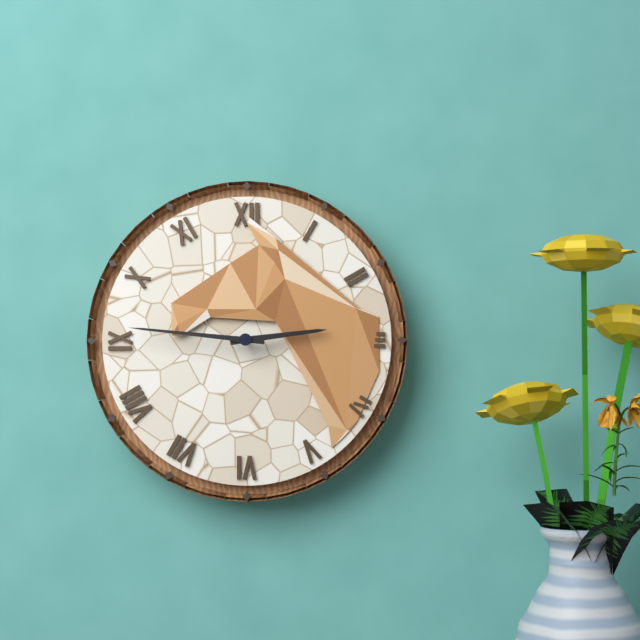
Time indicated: 2,46
